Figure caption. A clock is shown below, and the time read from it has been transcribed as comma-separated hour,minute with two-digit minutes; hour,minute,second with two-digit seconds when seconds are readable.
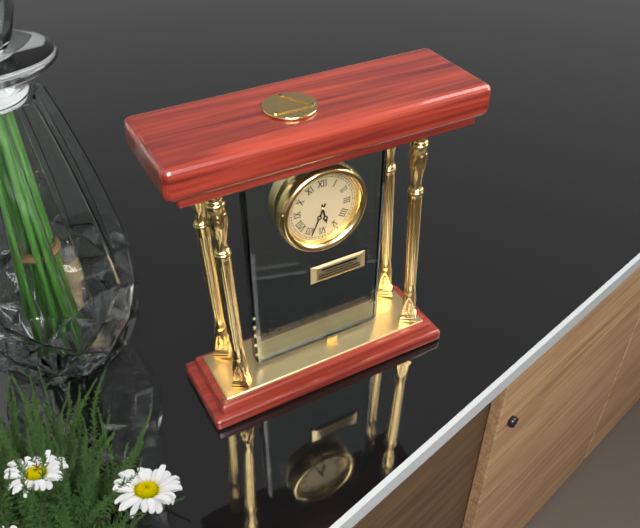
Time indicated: 5,34
